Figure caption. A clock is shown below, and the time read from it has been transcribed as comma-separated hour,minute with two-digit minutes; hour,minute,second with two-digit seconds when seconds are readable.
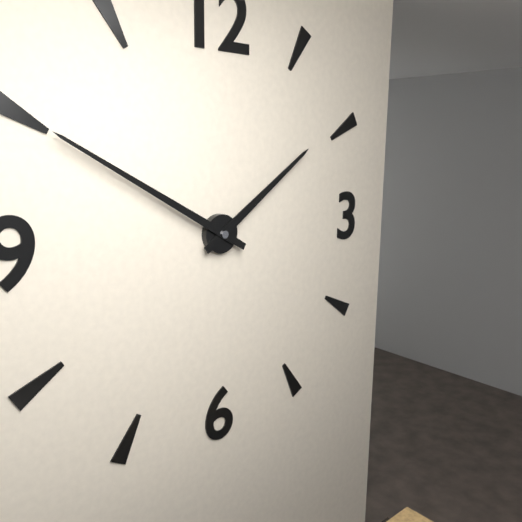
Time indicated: 1,50
